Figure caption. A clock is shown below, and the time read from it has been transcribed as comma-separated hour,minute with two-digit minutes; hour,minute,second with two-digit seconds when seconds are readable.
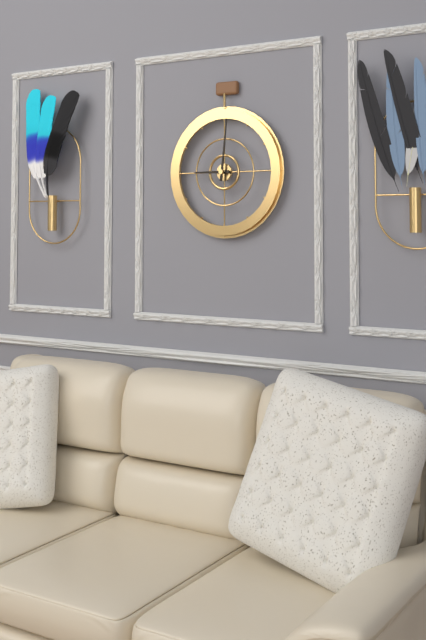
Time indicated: 9,01
